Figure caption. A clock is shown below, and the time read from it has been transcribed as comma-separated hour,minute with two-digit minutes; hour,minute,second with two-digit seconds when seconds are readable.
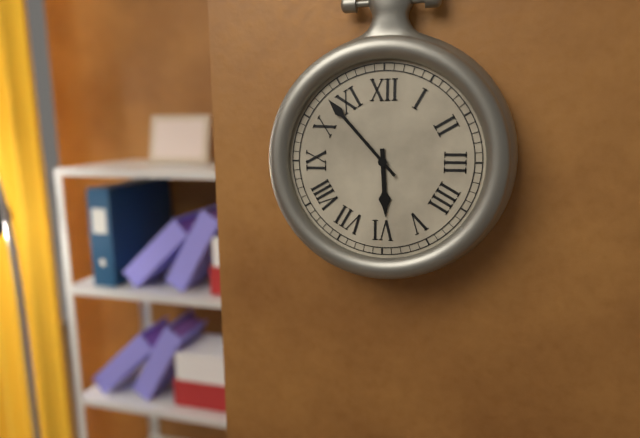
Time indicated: 5,53
